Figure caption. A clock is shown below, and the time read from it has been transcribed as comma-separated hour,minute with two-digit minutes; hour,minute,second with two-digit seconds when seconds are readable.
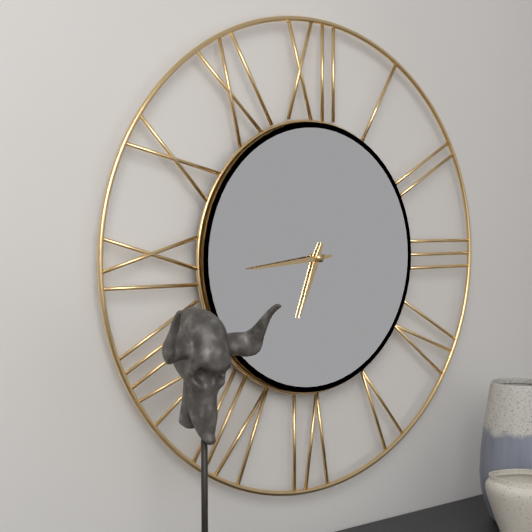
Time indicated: 6,44
